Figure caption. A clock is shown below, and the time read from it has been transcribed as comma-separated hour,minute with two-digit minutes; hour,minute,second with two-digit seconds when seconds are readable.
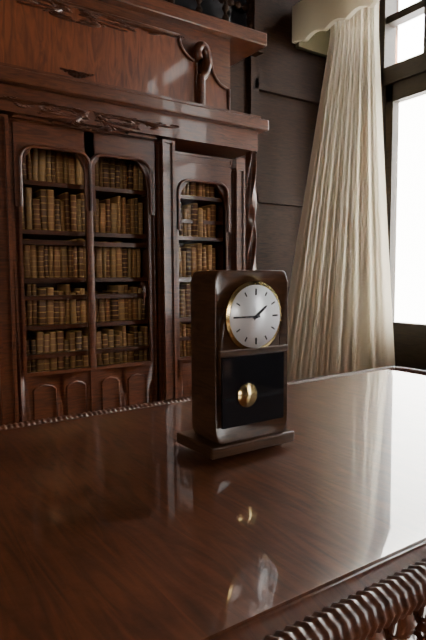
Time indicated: 1,45
